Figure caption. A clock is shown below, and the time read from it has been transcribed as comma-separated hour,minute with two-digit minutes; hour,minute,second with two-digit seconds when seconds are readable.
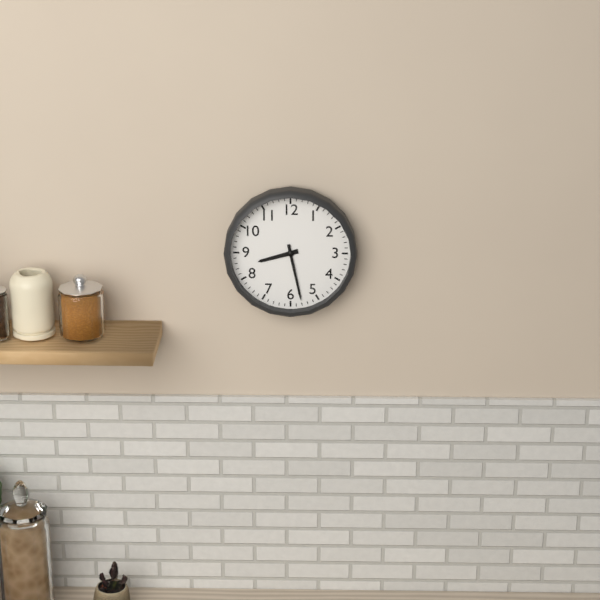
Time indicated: 8,28
